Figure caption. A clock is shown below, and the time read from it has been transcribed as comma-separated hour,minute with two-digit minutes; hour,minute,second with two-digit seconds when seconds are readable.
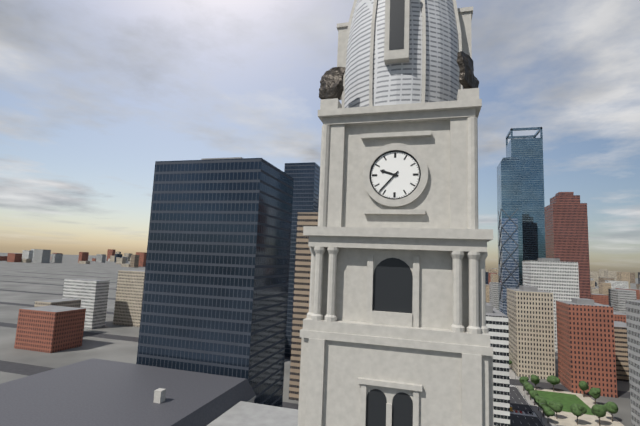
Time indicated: 9,37
